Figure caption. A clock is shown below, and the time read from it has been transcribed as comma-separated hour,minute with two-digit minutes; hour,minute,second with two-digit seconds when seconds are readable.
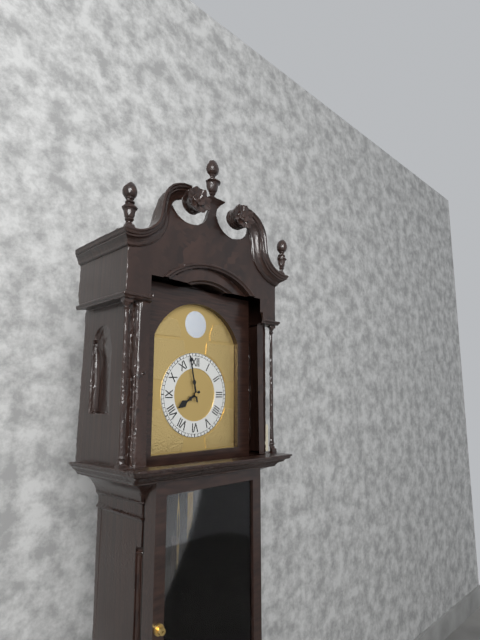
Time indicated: 7,58
